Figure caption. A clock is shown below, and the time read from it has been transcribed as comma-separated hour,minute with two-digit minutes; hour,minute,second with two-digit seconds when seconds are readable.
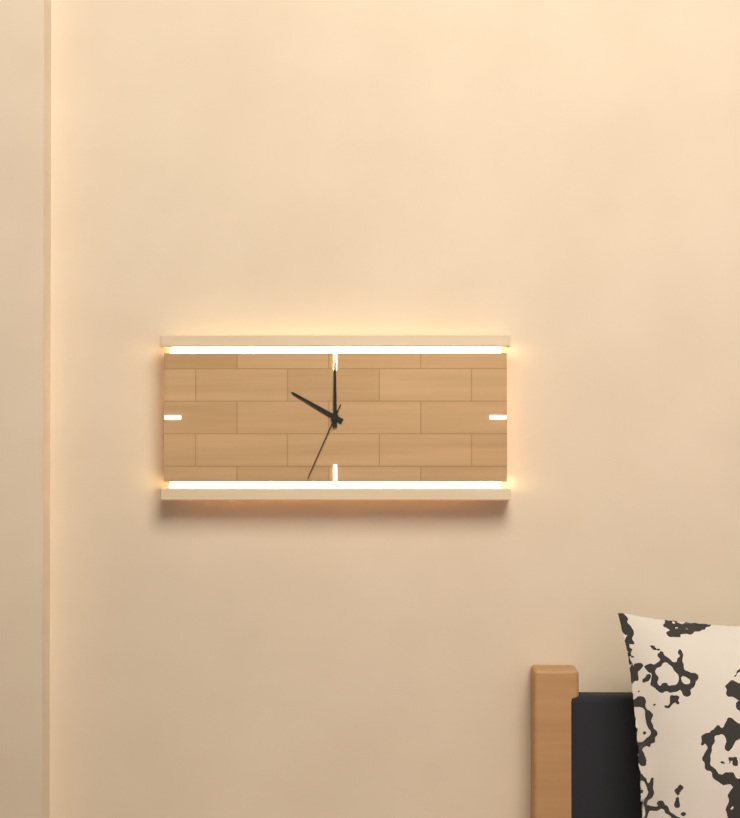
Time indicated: 10,00,34
